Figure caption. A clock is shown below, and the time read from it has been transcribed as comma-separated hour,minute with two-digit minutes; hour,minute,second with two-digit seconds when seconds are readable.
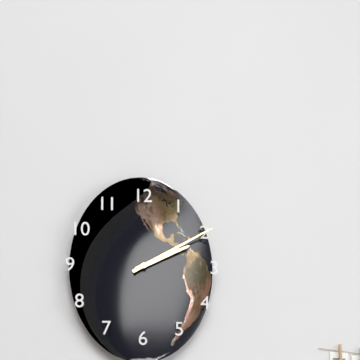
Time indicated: 2,10
